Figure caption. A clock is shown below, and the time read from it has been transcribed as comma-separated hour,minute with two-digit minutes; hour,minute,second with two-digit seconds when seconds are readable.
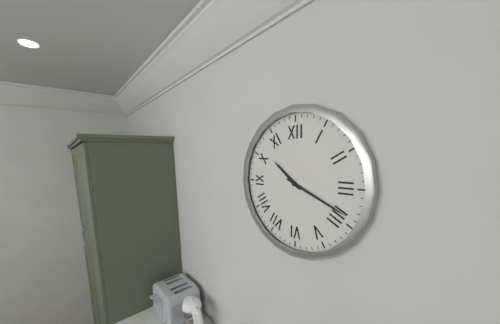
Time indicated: 10,19
